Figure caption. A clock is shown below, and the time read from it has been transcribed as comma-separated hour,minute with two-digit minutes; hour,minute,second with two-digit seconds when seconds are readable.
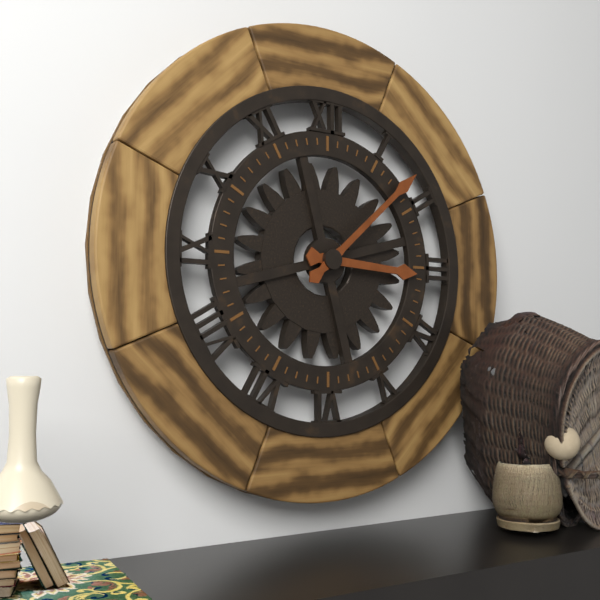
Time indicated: 3,08
